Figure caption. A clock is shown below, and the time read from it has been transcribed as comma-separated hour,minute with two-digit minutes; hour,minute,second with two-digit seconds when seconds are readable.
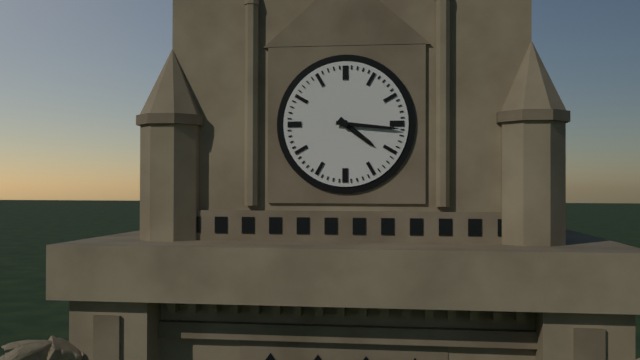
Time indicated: 4,16
